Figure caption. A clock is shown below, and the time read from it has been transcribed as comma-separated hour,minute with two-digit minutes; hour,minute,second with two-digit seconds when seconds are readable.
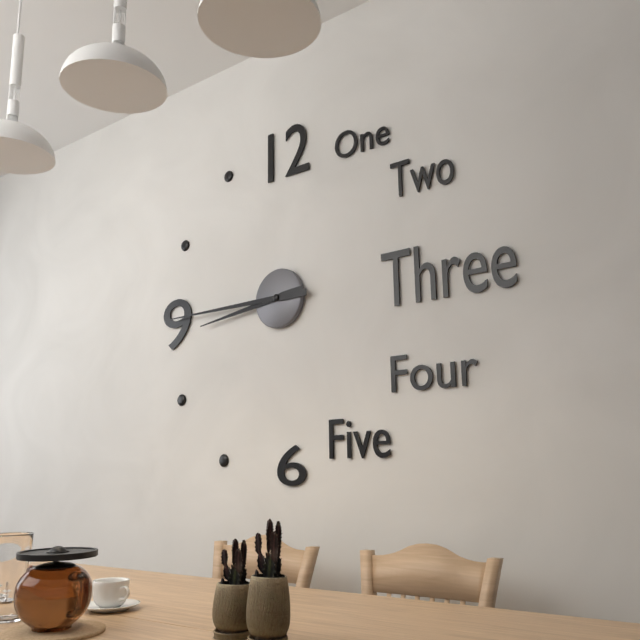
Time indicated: 8,45
